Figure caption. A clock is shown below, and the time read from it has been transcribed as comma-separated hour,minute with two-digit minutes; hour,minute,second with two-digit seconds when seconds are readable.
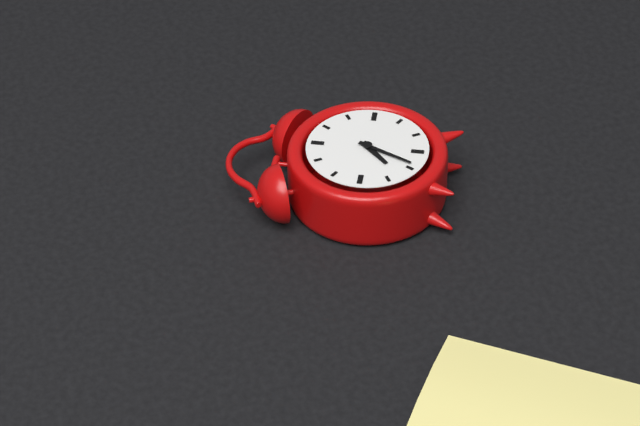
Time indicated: 7,34
